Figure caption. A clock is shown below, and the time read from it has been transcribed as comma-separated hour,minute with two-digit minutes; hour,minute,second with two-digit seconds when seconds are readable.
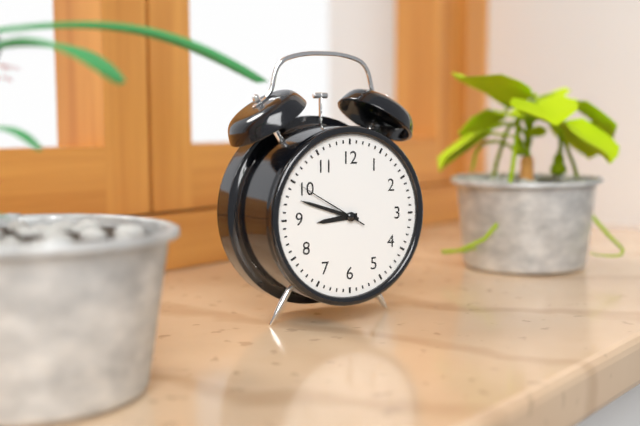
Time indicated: 8,48,50
